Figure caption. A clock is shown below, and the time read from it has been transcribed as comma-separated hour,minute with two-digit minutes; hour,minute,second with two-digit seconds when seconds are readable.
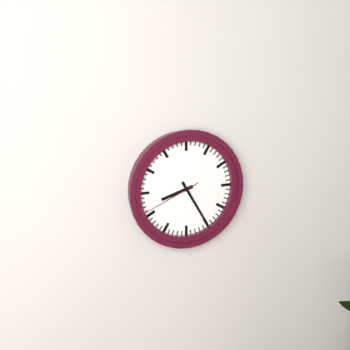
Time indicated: 8,25,41
